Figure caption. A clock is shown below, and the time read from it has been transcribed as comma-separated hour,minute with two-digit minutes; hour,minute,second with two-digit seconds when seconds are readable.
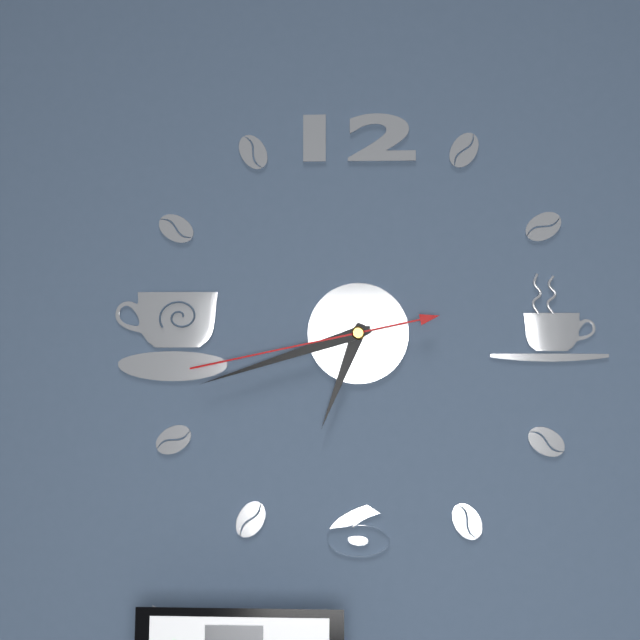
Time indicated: 6,42,43
